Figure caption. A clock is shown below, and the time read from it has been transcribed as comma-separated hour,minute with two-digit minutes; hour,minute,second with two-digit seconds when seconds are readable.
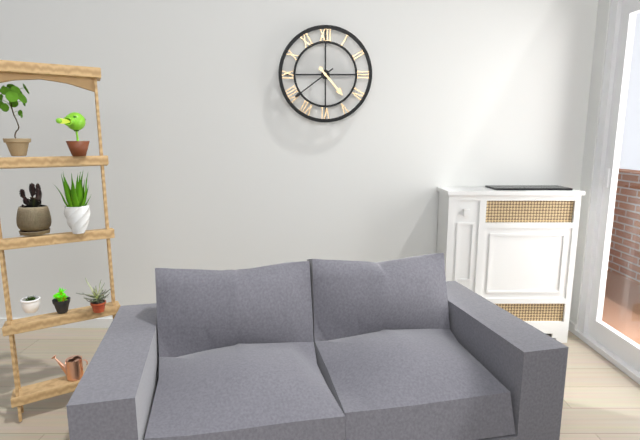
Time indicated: 4,39
